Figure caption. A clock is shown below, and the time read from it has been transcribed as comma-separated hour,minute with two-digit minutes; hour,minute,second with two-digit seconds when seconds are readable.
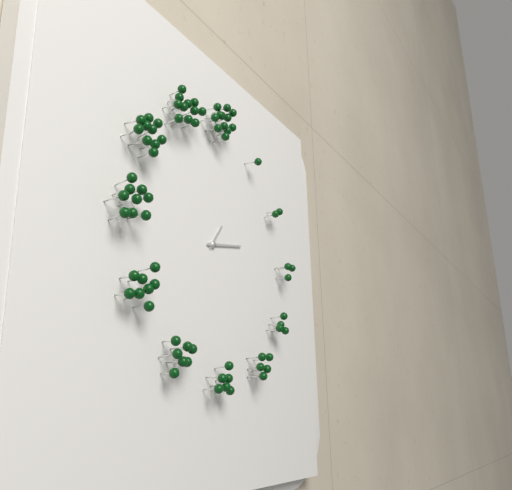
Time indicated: 1,13
